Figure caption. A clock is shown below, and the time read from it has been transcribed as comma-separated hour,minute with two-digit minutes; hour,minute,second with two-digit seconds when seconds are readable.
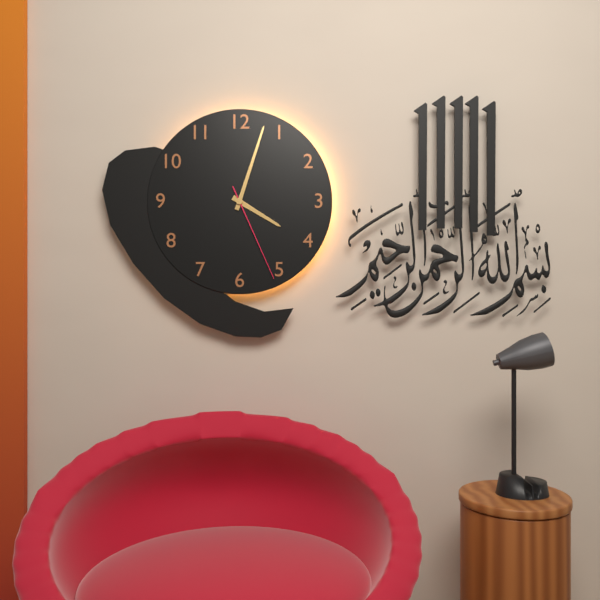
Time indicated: 4,03,26
